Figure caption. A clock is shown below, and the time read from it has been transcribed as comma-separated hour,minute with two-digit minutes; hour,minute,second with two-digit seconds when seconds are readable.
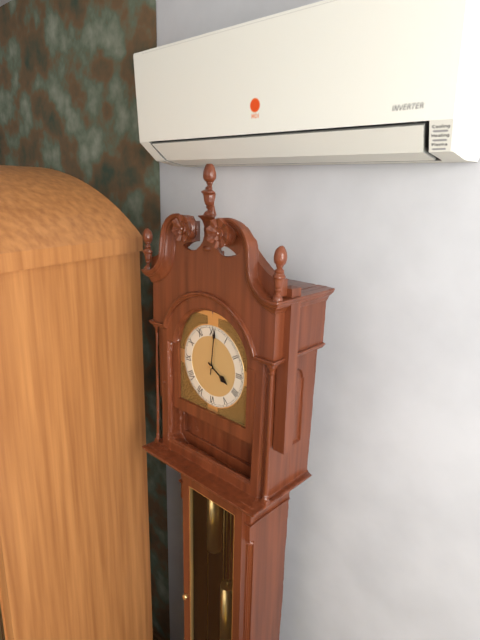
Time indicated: 4,01
